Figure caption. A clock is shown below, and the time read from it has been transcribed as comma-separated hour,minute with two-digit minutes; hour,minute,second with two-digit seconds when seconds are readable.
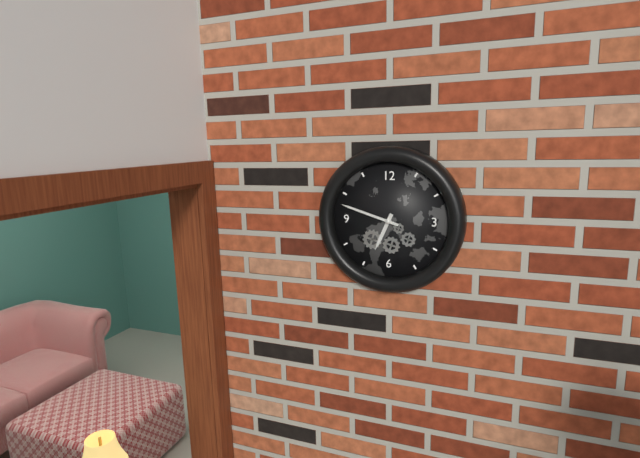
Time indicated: 6,48
